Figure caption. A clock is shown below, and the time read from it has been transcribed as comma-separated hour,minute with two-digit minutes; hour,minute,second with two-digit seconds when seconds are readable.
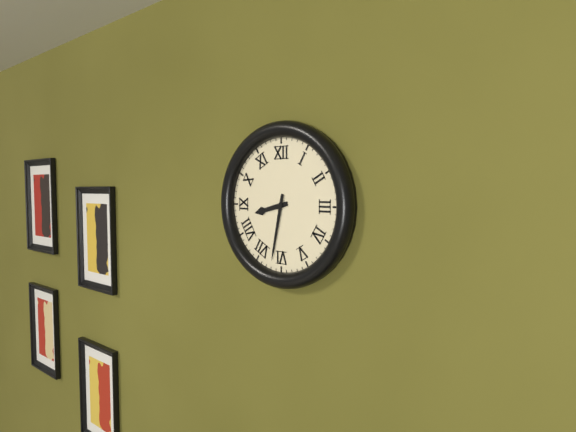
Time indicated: 8,32
